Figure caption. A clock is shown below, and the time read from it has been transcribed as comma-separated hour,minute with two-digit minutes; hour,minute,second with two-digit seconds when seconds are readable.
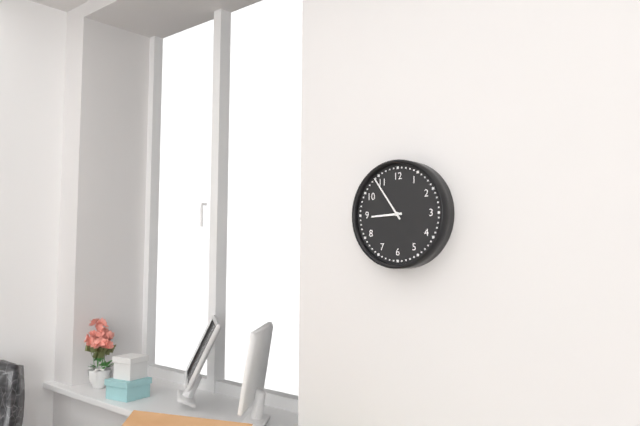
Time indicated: 8,54
